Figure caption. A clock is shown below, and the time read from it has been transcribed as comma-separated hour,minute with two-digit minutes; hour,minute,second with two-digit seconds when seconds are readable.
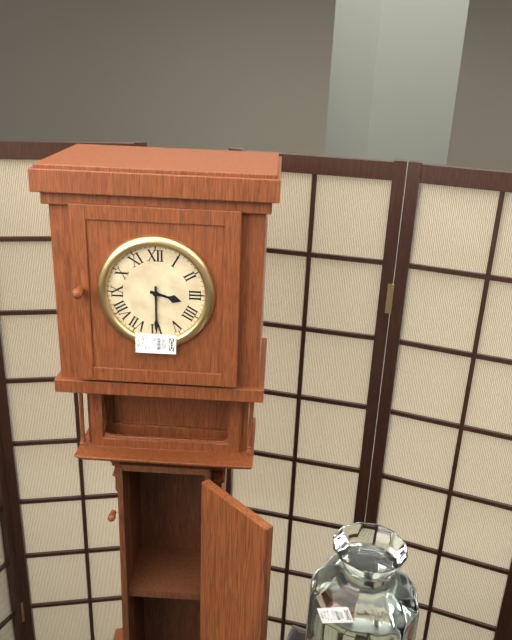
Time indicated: 3,30
